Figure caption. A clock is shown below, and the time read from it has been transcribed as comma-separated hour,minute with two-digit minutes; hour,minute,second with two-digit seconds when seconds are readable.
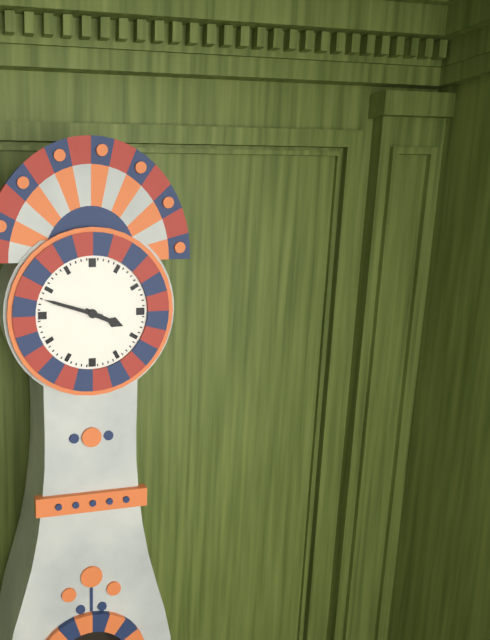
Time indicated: 3,48
